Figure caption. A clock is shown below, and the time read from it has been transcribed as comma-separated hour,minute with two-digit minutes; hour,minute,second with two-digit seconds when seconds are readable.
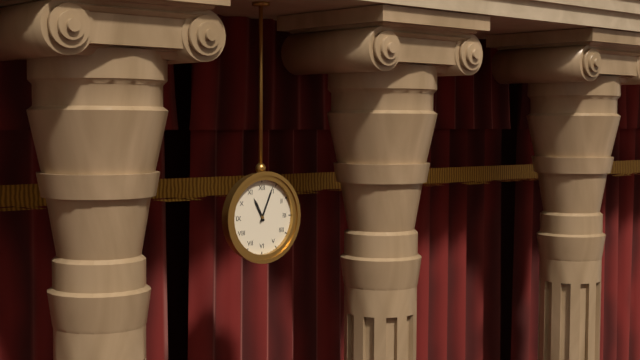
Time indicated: 11,04
